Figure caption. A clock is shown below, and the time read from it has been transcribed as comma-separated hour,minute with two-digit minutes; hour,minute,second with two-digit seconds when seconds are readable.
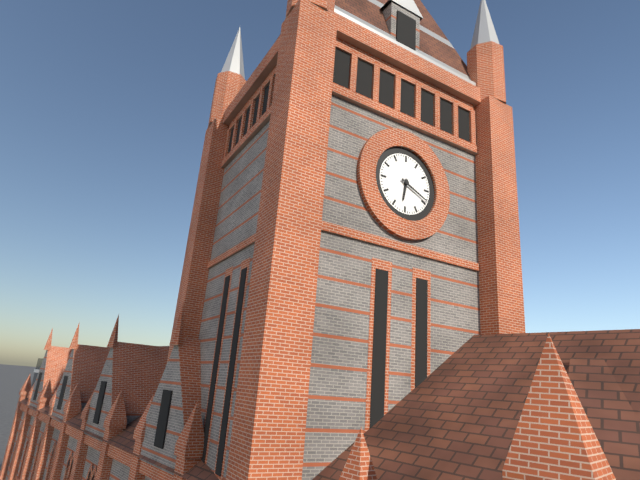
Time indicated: 6,19
